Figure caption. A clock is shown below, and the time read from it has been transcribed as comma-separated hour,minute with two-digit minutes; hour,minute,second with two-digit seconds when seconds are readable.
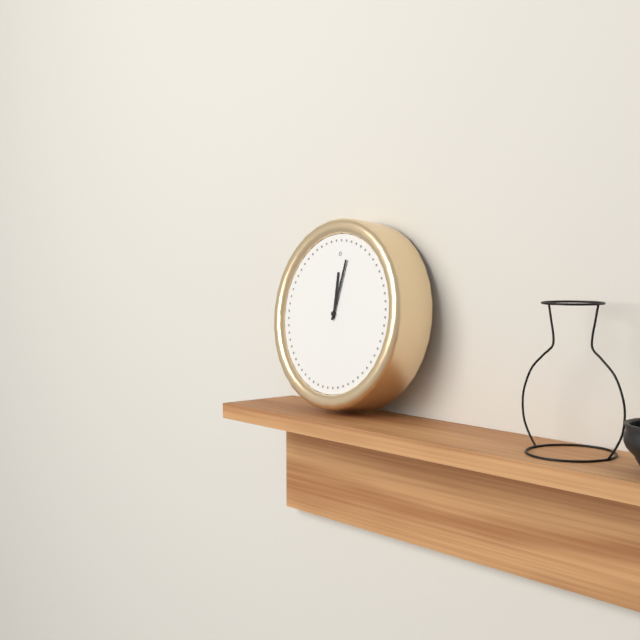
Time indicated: 12,02
